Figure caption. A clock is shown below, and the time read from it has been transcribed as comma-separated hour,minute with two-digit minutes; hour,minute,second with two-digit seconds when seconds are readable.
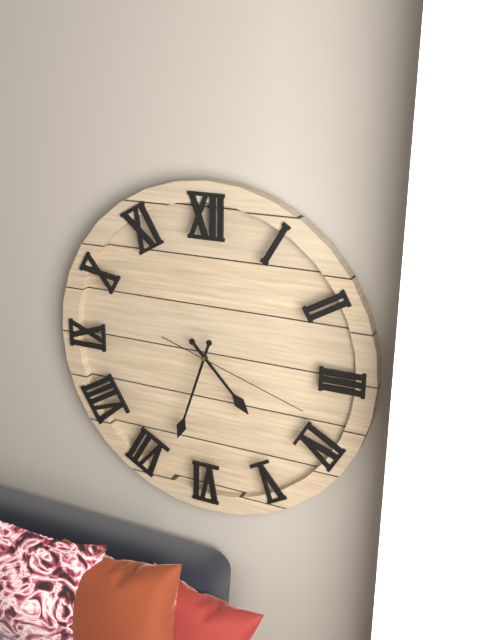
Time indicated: 4,33,18
